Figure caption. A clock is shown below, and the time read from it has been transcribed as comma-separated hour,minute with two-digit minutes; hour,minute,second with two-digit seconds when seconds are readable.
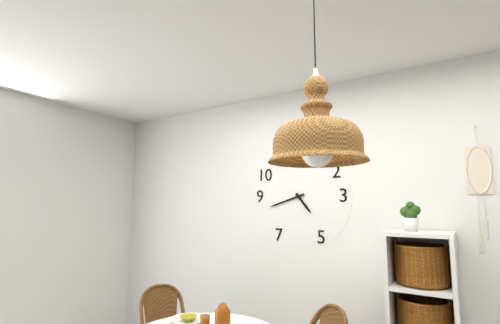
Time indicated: 4,42
